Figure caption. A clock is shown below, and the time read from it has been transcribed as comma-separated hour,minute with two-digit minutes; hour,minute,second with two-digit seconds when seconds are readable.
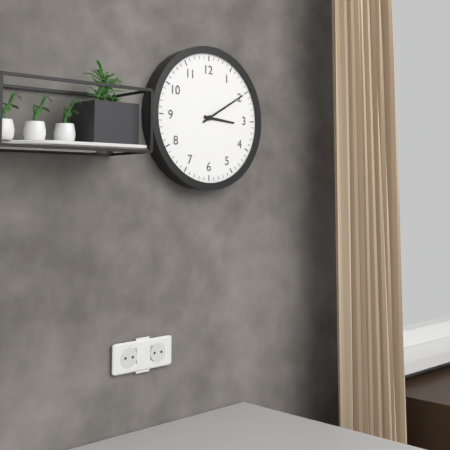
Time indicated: 3,10
